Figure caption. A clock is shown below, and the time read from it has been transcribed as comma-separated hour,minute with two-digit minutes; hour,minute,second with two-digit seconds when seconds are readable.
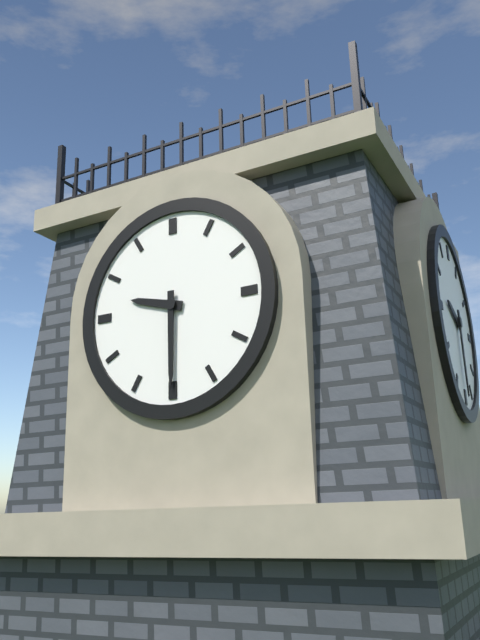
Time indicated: 9,30
